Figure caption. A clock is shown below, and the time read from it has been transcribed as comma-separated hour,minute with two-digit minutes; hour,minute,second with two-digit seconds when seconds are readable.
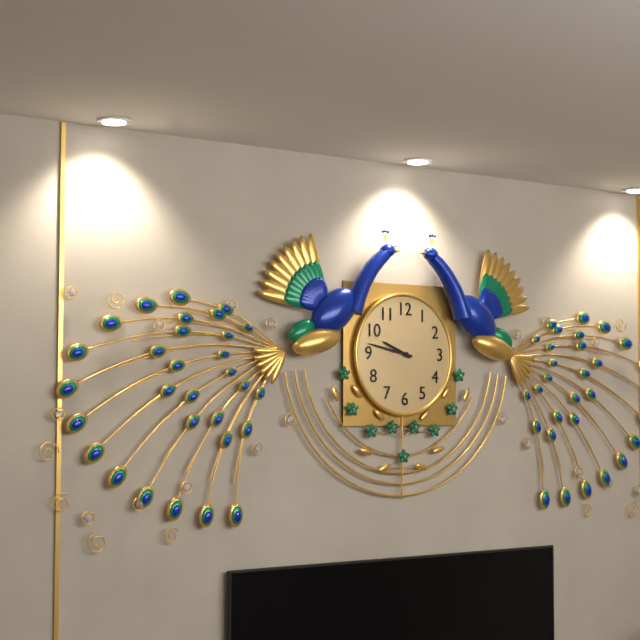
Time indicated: 9,47
